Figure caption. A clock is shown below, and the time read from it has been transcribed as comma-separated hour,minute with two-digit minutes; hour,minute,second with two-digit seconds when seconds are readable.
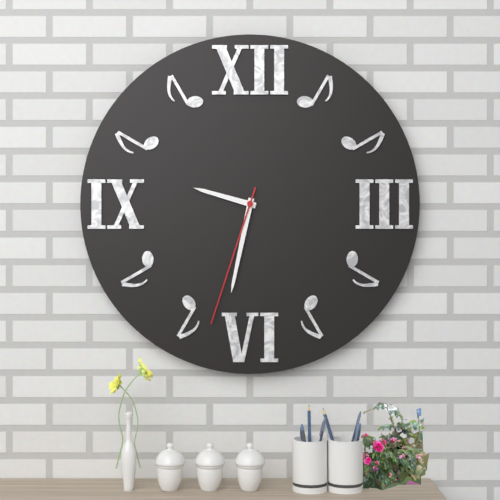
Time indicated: 9,32,33
